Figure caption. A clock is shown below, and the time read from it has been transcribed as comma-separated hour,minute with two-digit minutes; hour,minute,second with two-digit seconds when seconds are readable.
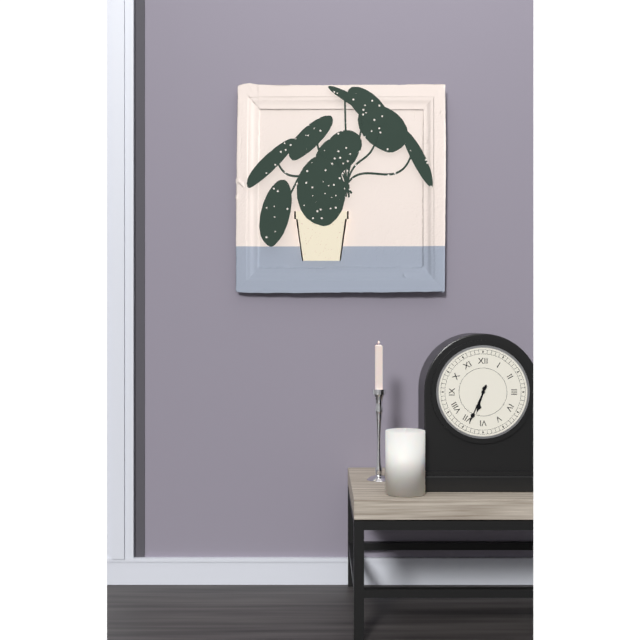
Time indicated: 6,34
